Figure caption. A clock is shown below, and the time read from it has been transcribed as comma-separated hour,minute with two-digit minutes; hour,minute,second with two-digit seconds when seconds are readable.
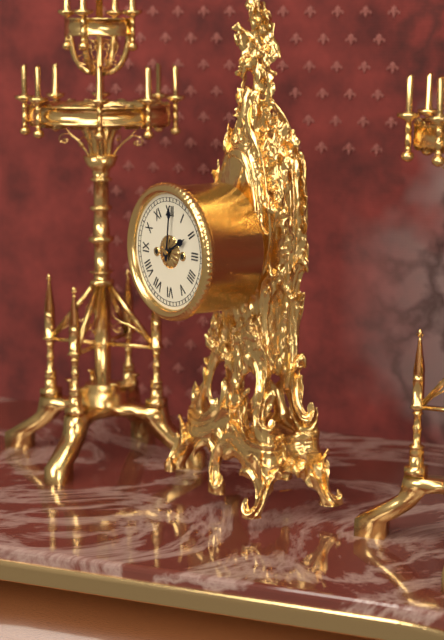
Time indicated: 2,01
